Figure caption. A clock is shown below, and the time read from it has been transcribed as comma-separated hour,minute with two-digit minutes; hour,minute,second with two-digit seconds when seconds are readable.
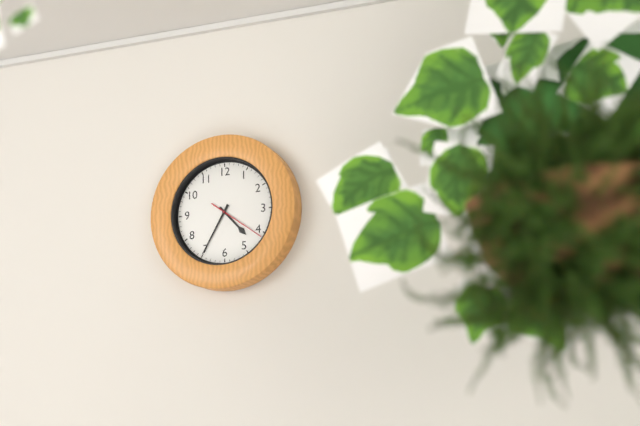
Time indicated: 4,35,21
